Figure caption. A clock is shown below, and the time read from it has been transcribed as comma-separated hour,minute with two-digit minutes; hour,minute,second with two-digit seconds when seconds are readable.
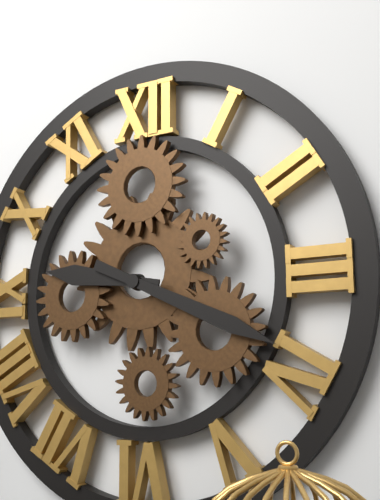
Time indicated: 9,19
